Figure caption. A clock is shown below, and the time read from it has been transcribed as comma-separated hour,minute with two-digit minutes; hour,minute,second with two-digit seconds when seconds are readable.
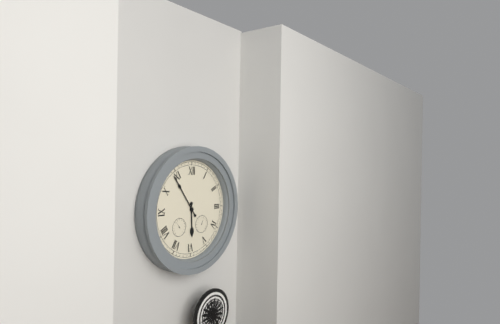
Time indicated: 5,54
